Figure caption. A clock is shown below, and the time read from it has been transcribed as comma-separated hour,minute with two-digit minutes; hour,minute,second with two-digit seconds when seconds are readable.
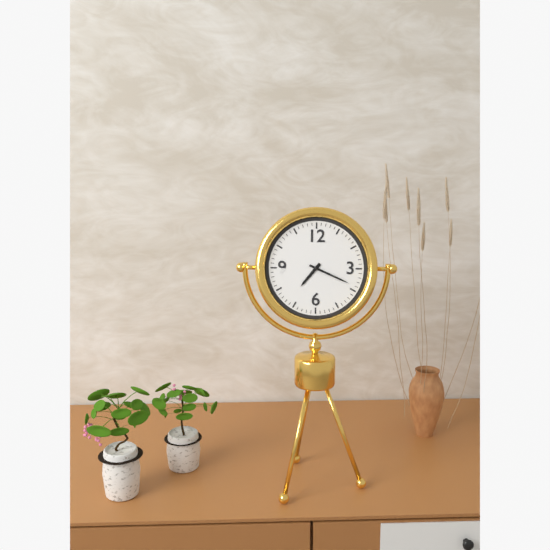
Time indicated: 7,19
